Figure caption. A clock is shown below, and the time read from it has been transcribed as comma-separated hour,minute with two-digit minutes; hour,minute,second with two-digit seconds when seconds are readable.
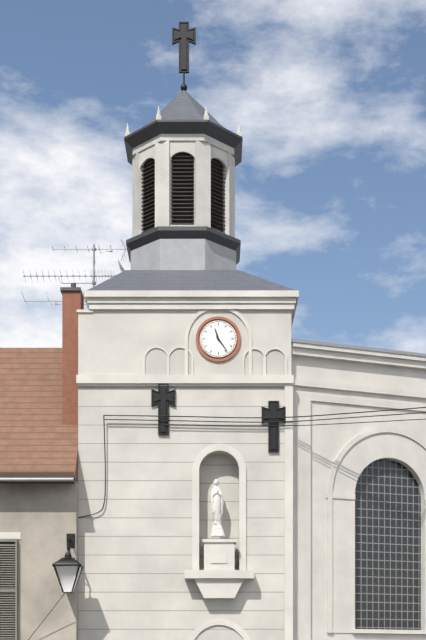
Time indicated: 11,24
